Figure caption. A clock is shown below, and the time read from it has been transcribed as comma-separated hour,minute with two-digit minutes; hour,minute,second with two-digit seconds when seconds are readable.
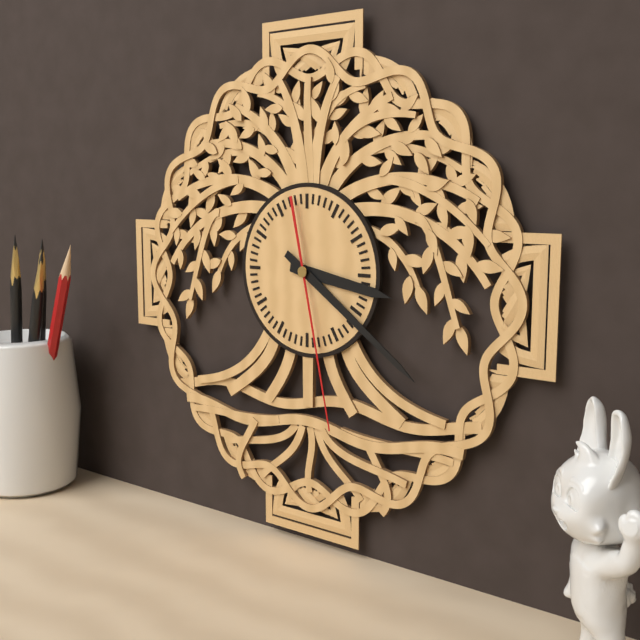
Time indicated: 3,21,28
